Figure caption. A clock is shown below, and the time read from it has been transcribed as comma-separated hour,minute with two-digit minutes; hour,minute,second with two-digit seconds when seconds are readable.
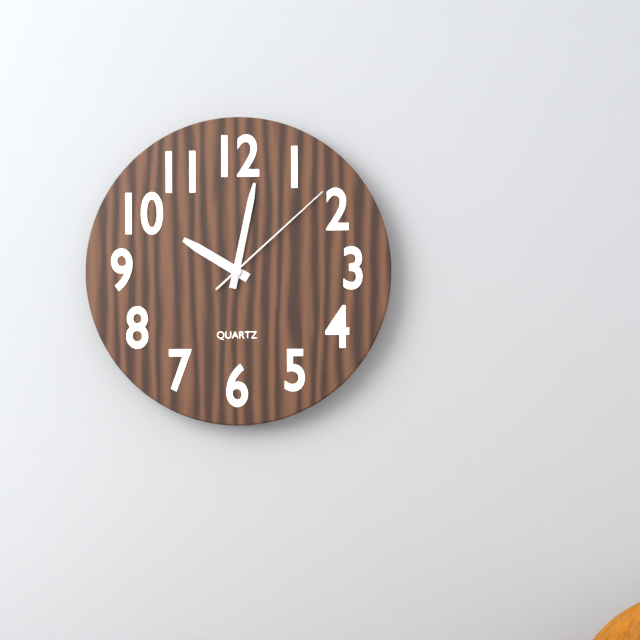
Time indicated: 10,02,08
